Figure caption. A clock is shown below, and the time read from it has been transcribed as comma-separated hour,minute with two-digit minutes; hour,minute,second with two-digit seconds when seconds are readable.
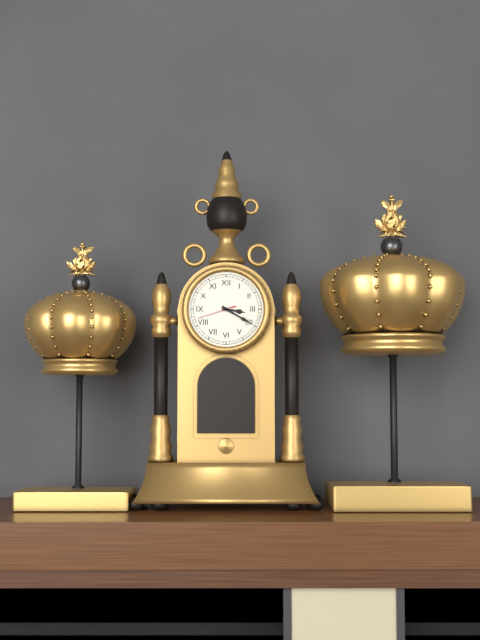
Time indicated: 3,20
